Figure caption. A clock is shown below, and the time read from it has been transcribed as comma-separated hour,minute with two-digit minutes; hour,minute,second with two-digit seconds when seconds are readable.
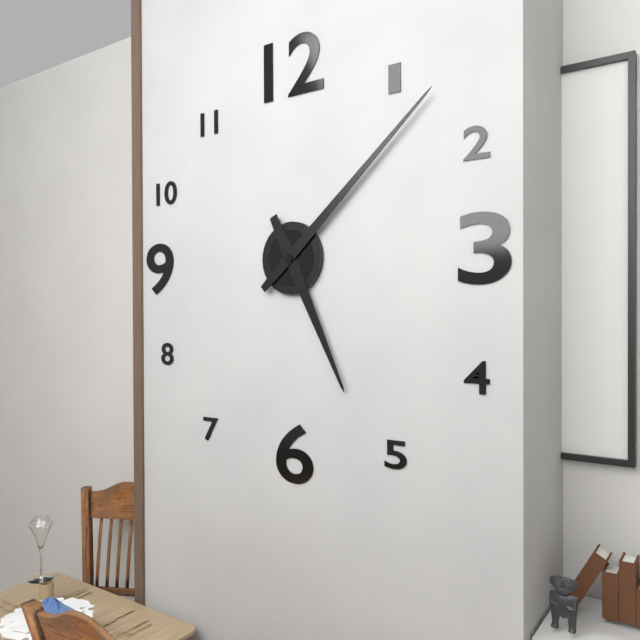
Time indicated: 5,08
